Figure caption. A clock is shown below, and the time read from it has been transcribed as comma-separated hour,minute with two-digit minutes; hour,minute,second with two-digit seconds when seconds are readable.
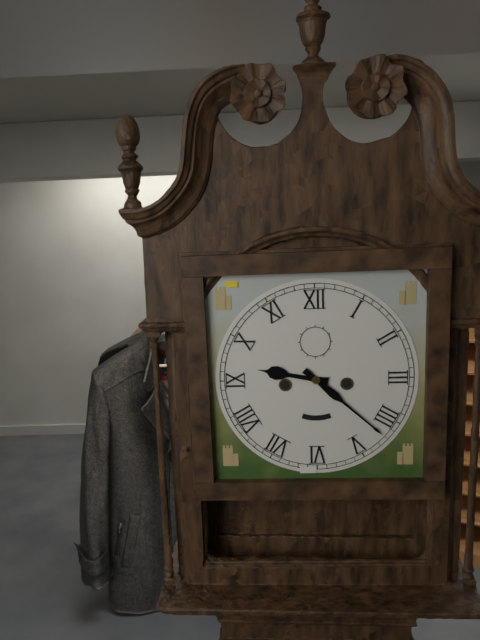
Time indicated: 9,22
